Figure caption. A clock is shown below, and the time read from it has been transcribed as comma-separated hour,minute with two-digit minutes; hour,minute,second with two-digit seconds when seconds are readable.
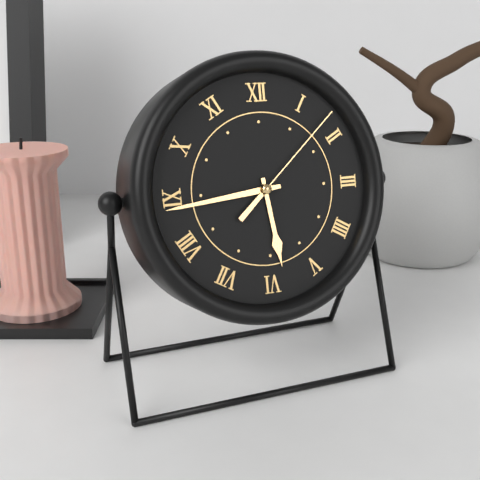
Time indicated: 5,44,08
